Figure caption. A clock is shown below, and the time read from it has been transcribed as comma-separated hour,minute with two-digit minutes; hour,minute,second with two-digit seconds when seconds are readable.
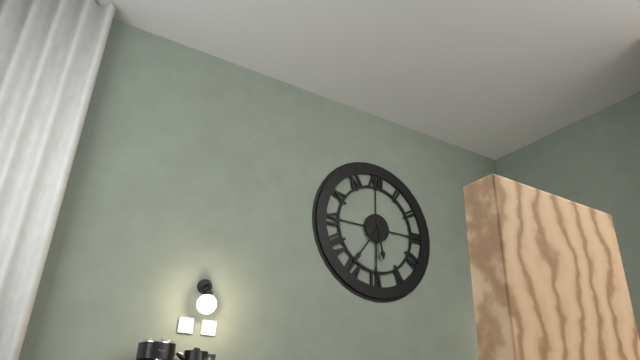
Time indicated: 5,36
